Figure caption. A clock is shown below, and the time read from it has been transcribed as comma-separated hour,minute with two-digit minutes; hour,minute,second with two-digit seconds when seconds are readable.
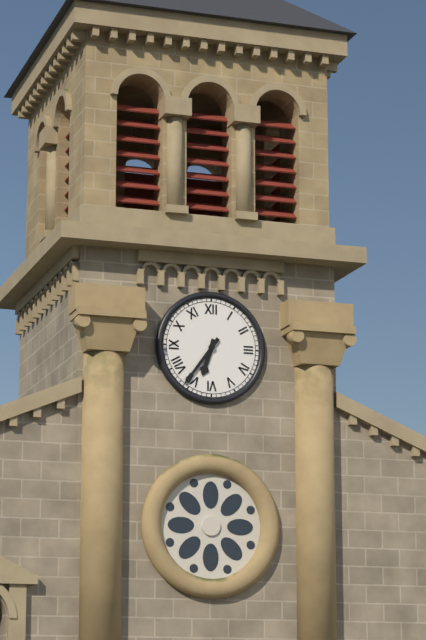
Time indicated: 6,36
